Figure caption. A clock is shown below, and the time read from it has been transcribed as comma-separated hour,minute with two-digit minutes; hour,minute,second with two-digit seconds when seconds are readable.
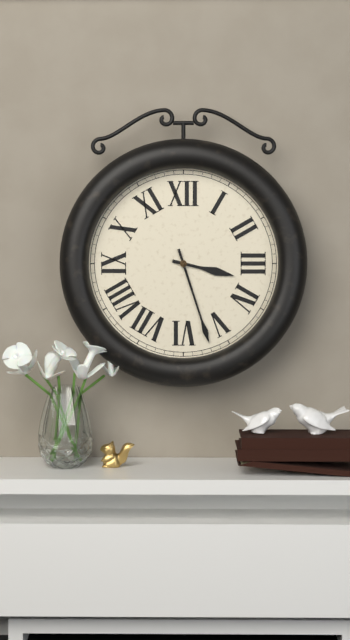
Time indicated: 3,27
